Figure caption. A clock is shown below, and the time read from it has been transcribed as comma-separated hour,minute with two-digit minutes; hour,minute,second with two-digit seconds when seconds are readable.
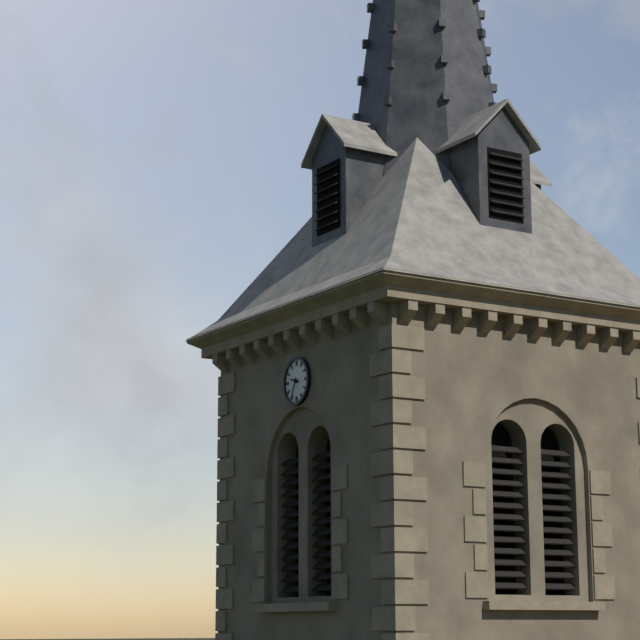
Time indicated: 9,34
